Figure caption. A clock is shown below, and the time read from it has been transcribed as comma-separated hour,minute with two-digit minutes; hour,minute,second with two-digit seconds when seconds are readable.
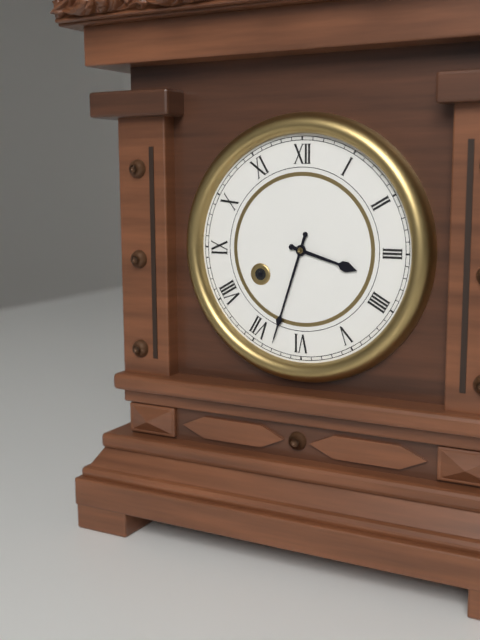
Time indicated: 3,33
